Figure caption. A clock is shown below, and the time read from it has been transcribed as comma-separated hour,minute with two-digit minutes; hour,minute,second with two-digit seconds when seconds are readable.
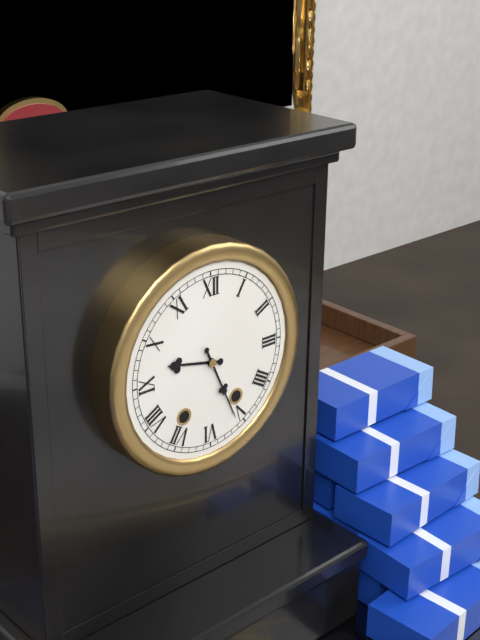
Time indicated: 9,26
